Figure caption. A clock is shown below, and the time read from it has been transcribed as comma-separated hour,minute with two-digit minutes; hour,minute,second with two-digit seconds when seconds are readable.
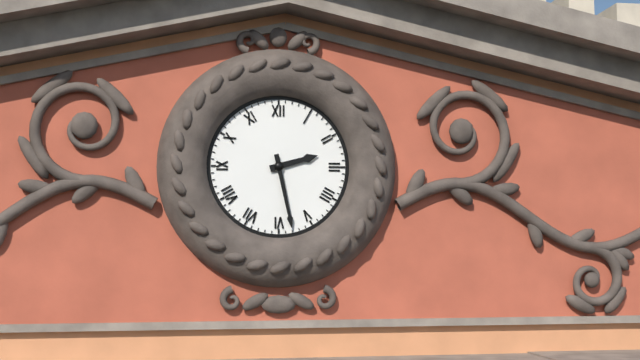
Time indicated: 2,28
